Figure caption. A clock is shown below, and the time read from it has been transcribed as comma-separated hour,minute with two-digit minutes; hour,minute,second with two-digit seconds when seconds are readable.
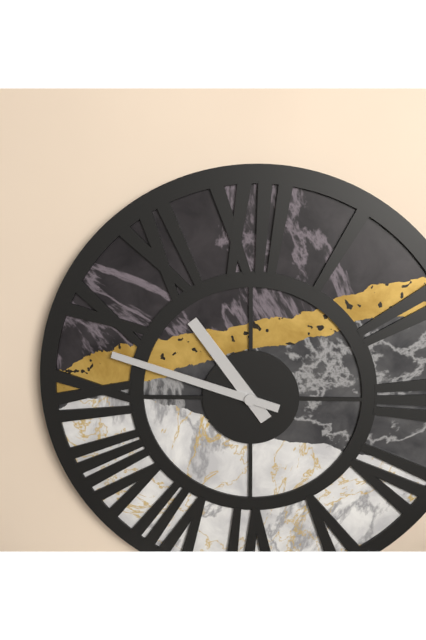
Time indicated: 10,48
